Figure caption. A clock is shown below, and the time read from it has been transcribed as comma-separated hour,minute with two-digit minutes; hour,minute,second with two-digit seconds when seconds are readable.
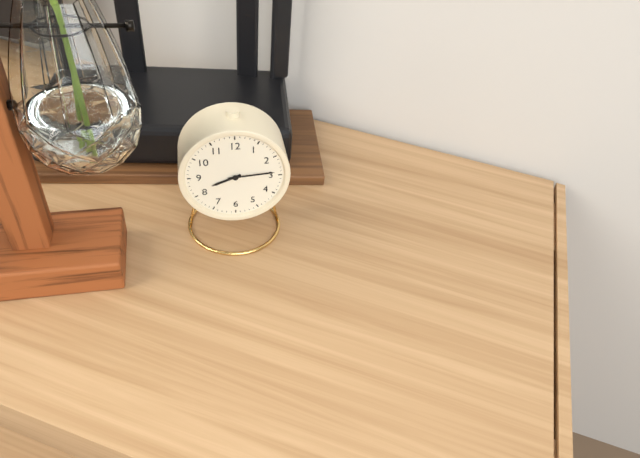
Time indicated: 8,14
